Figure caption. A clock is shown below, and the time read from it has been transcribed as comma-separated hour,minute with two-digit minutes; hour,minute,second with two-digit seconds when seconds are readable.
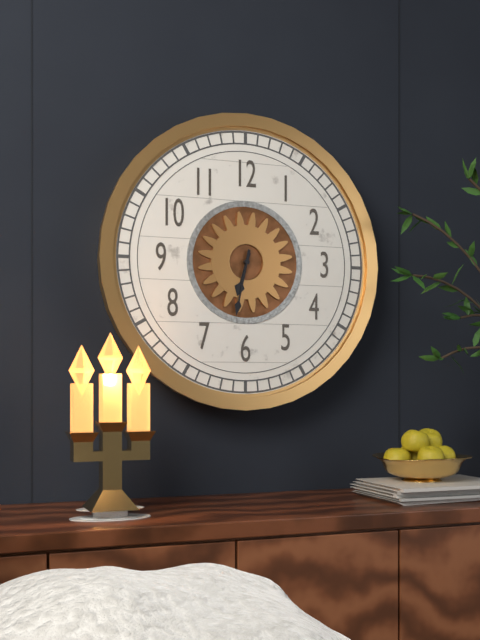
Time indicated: 6,32
